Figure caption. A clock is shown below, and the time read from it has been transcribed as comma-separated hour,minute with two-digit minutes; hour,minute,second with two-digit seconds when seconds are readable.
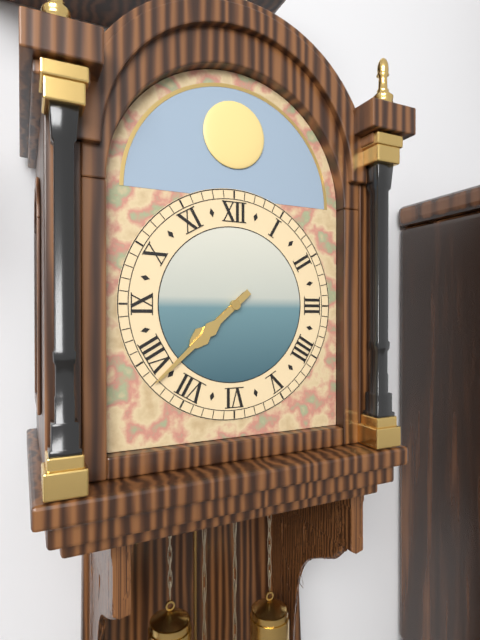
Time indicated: 7,38
